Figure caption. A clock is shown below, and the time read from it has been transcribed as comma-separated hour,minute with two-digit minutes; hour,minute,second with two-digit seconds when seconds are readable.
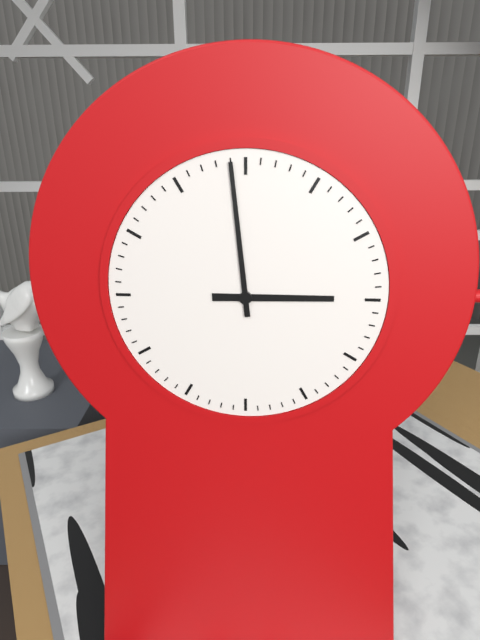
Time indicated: 2,59
